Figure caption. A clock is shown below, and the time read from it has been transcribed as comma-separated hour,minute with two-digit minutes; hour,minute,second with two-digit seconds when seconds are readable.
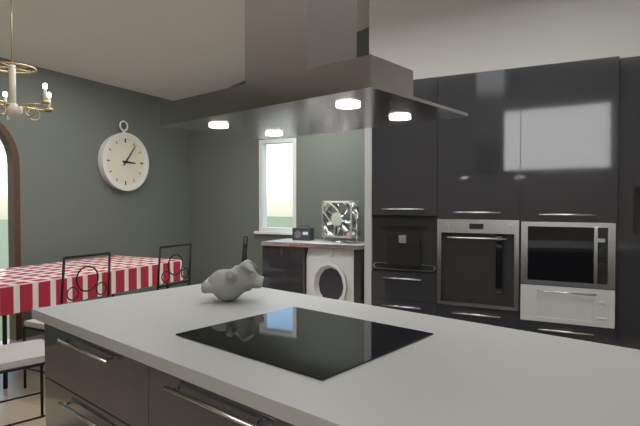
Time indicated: 3,06
